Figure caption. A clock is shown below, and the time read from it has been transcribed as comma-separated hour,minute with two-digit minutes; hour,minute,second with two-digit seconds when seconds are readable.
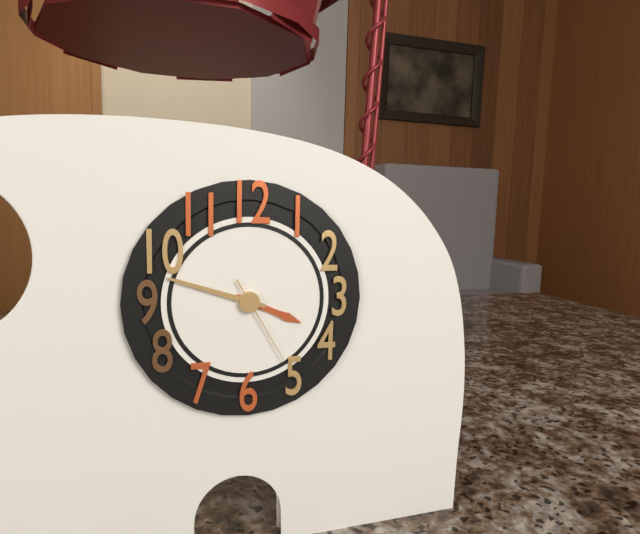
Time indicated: 3,48,25
